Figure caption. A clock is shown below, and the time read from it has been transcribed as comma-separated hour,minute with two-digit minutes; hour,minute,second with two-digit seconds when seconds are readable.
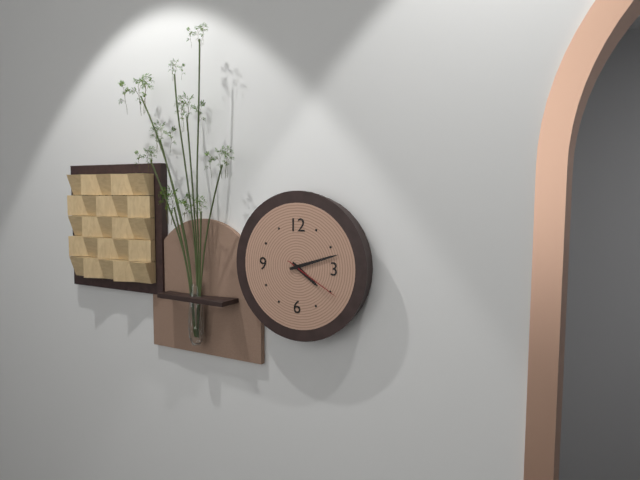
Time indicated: 4,12,20
